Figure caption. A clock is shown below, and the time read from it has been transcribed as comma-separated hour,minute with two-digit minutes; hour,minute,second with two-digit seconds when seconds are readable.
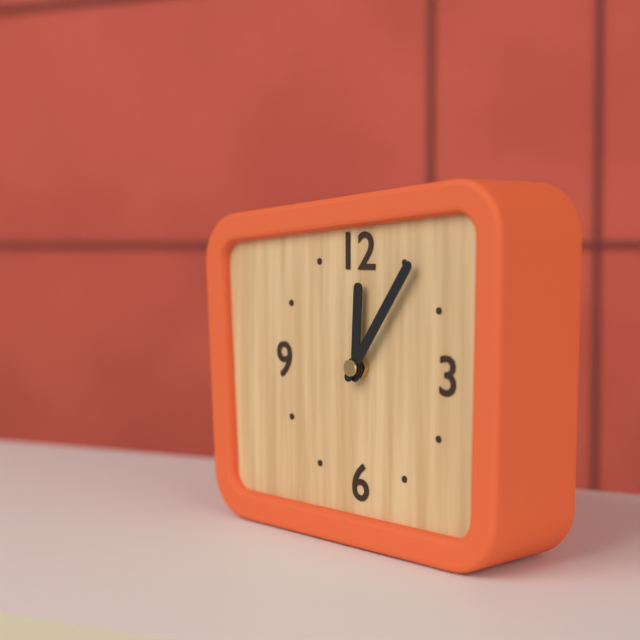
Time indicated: 12,06
